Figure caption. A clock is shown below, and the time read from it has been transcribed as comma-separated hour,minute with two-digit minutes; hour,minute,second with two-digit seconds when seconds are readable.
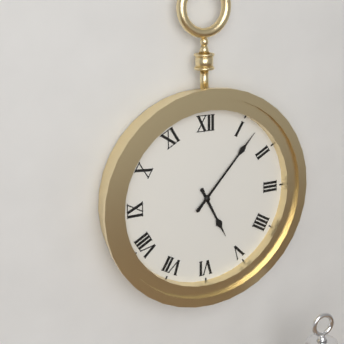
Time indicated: 5,07
